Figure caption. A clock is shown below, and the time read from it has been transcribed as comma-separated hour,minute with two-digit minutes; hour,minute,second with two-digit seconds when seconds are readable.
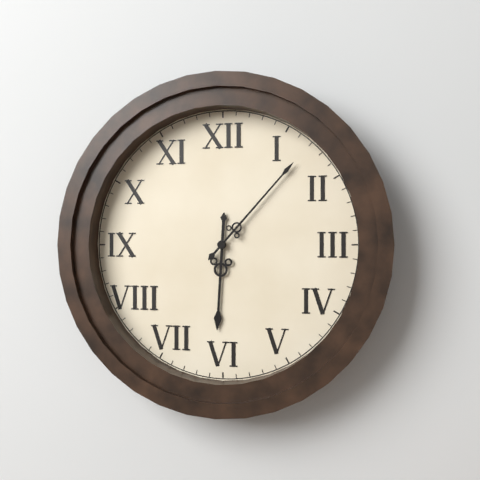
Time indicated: 6,07
